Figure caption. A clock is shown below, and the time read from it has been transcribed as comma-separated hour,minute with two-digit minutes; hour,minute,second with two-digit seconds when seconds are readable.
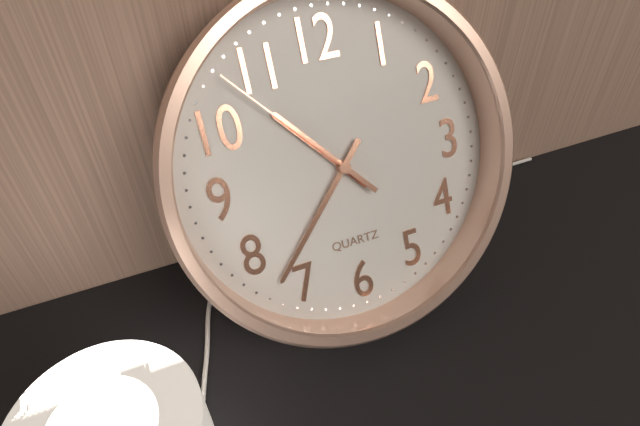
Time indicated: 10,37,53
